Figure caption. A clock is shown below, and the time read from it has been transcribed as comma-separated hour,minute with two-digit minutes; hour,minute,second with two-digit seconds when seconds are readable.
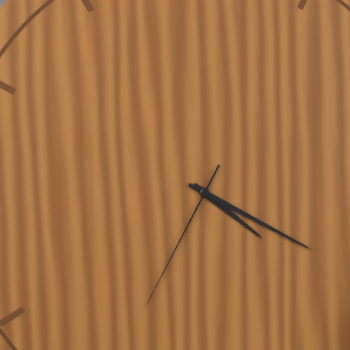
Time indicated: 4,20,35
